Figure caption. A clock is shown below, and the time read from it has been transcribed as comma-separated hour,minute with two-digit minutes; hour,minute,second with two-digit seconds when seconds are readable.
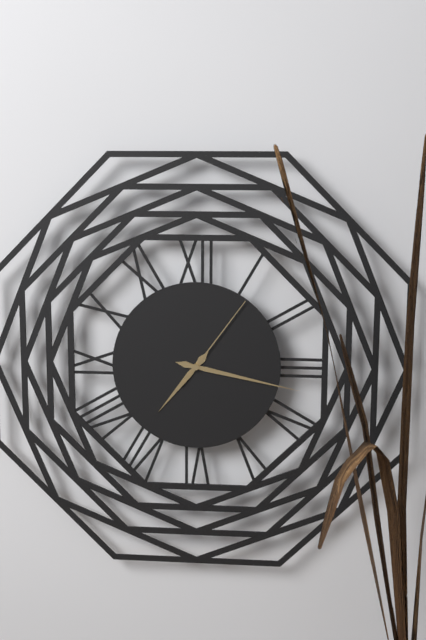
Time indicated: 7,17,06
